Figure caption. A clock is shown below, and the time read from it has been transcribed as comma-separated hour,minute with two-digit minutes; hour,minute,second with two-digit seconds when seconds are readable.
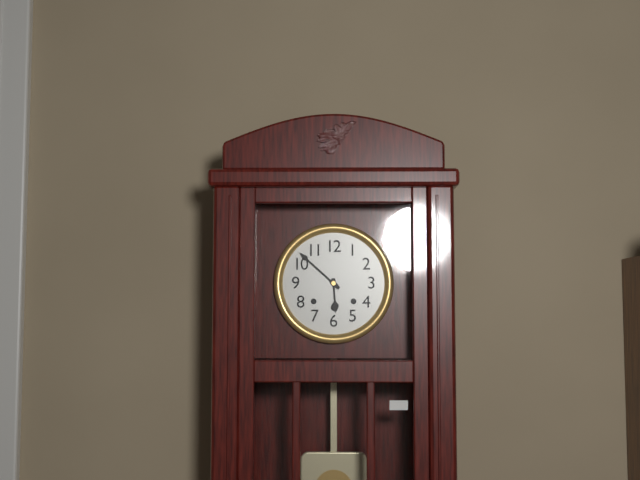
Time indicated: 5,52
